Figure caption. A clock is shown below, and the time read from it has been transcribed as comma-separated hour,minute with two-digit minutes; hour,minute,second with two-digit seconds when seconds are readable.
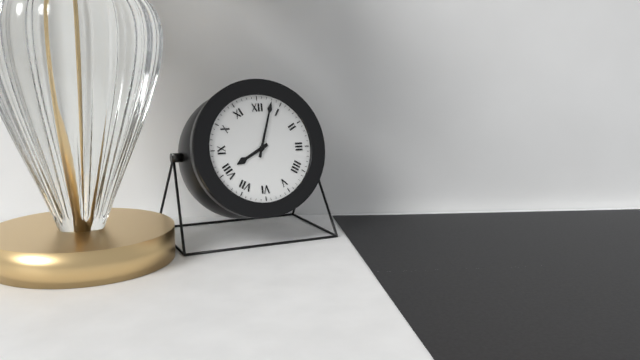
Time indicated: 8,03
